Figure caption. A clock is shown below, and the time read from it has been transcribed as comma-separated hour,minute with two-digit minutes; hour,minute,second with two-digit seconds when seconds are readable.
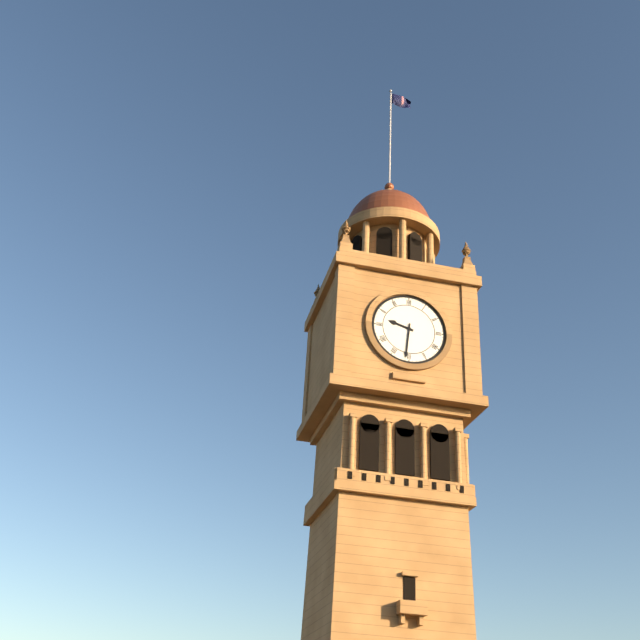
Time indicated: 9,31
